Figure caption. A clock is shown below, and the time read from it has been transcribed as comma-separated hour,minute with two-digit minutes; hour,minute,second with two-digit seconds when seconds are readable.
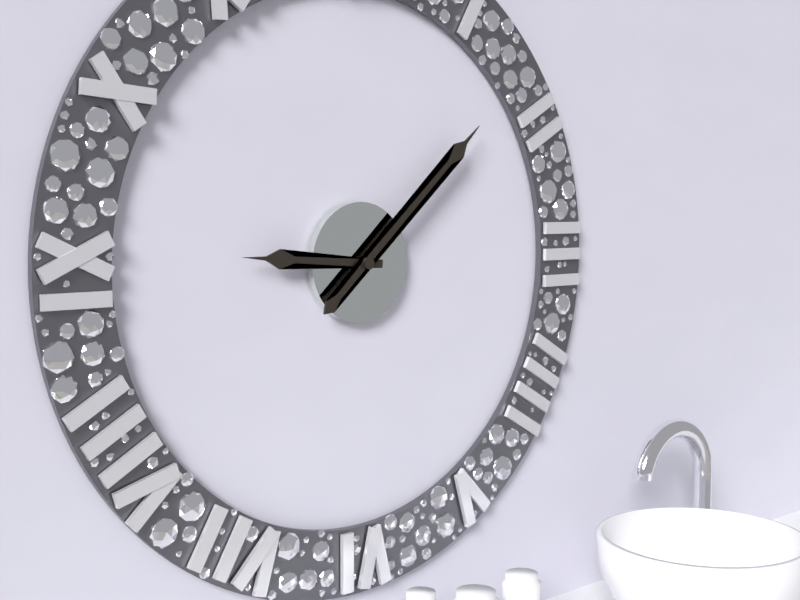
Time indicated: 9,08
